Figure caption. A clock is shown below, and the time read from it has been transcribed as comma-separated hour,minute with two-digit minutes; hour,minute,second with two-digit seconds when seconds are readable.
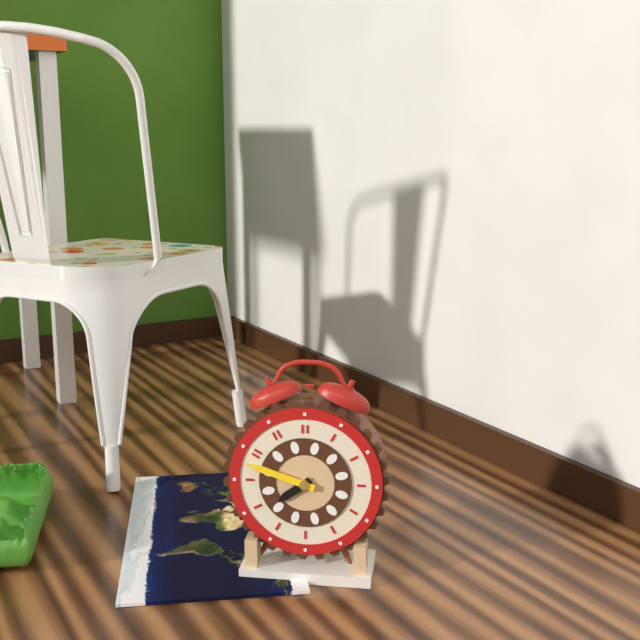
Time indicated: 7,48
